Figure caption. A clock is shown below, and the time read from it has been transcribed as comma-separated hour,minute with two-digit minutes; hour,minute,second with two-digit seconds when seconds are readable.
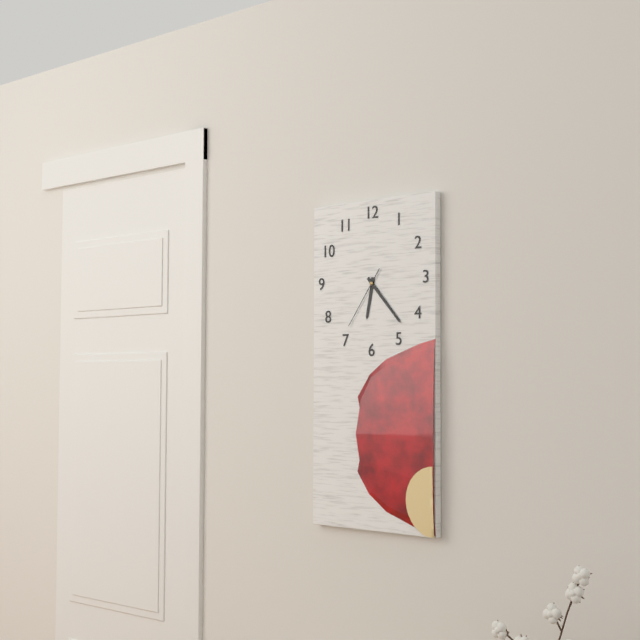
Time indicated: 6,23,36
